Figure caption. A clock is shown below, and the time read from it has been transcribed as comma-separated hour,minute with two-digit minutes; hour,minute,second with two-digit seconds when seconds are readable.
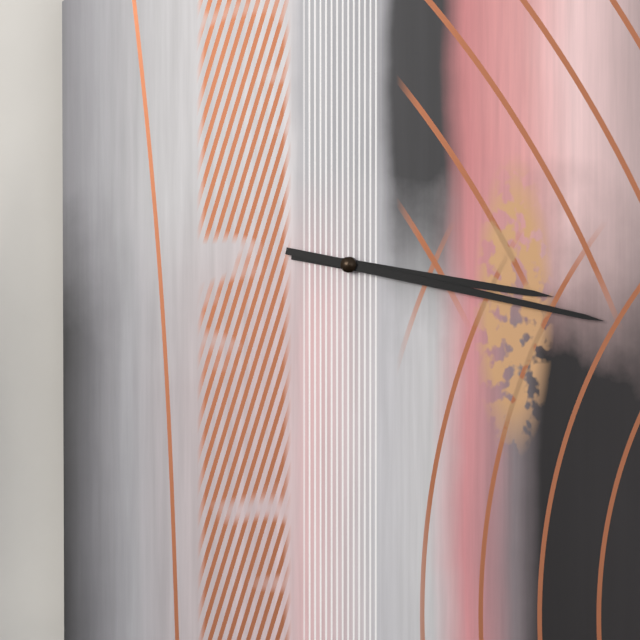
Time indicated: 3,17
